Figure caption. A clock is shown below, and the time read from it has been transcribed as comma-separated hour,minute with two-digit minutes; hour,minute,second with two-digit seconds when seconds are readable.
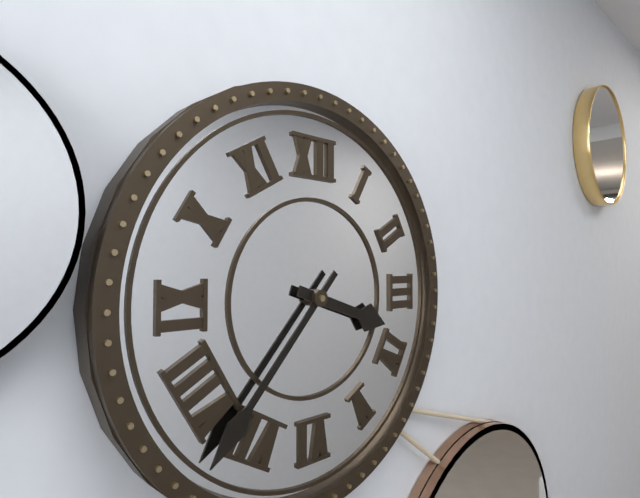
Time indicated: 3,37
